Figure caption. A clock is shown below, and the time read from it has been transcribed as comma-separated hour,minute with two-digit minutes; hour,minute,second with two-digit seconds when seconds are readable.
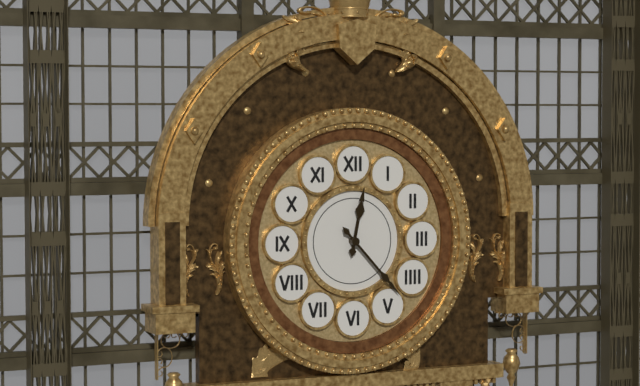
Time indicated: 12,23
